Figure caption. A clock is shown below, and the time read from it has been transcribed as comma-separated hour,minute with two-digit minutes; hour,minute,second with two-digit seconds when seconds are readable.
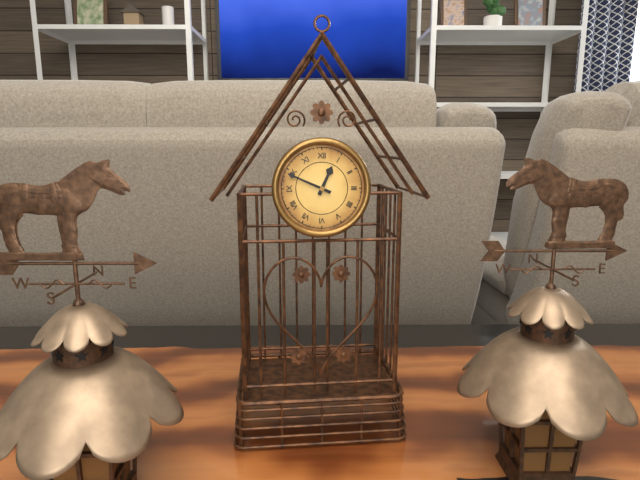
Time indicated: 12,49
